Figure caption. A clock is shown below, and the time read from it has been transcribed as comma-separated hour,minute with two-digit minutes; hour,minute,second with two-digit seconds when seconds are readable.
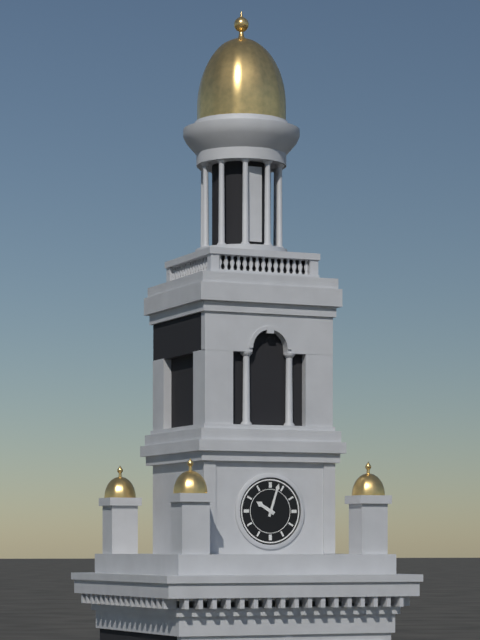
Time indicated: 10,03
